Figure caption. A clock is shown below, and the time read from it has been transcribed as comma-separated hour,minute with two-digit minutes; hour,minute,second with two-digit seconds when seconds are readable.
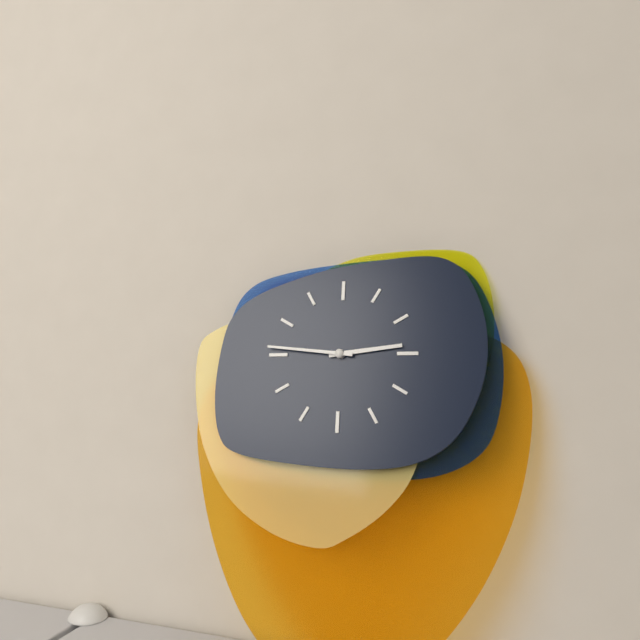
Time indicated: 2,46
